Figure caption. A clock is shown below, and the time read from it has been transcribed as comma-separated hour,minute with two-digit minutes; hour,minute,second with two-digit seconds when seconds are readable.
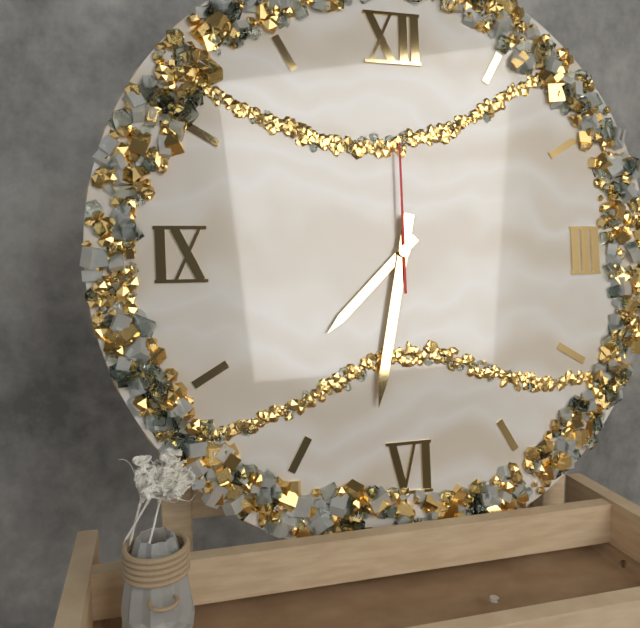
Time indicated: 7,32,00
